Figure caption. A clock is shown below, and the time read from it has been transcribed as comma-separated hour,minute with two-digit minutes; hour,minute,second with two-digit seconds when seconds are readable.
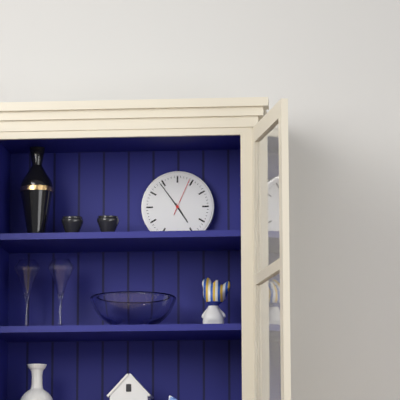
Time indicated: 4,54
